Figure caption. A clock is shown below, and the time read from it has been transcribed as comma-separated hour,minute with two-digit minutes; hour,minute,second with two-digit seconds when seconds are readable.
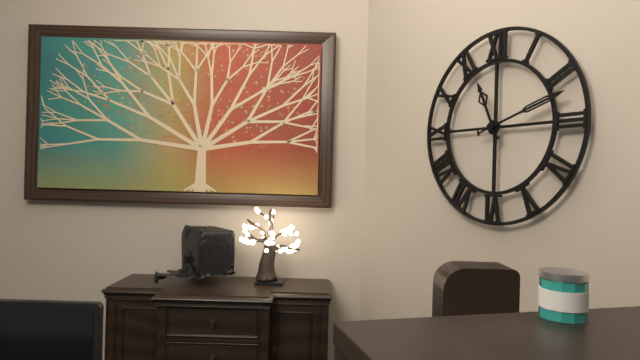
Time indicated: 11,12
